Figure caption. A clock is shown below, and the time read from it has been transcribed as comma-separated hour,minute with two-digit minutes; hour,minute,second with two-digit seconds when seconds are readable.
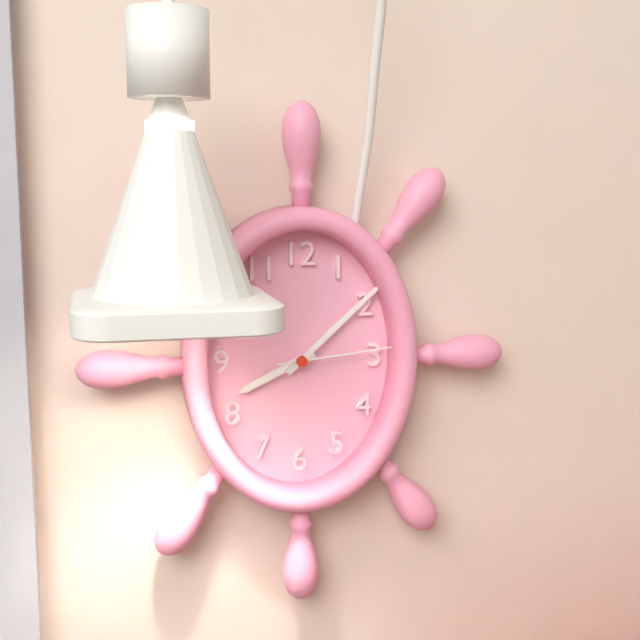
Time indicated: 8,08,14
